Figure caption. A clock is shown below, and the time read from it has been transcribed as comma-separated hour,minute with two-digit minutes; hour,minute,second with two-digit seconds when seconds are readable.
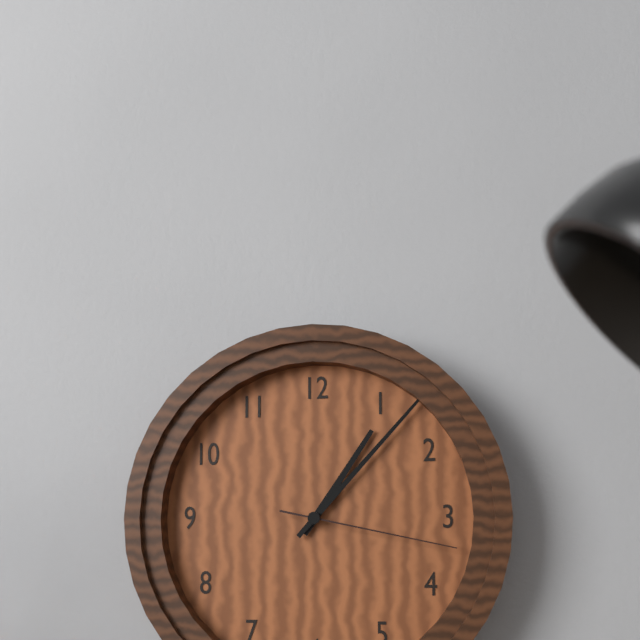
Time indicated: 1,07,17
